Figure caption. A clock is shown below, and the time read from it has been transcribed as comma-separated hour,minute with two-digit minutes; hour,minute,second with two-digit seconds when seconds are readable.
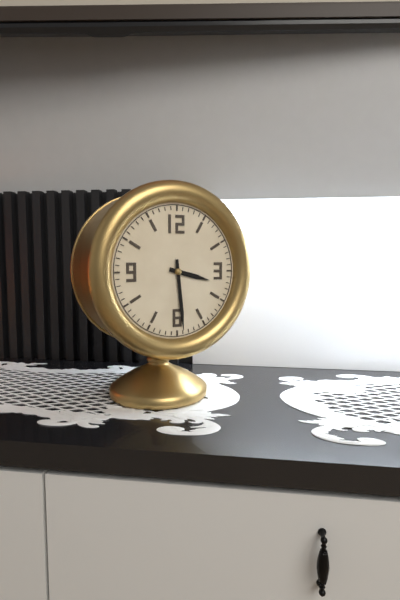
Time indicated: 3,29
